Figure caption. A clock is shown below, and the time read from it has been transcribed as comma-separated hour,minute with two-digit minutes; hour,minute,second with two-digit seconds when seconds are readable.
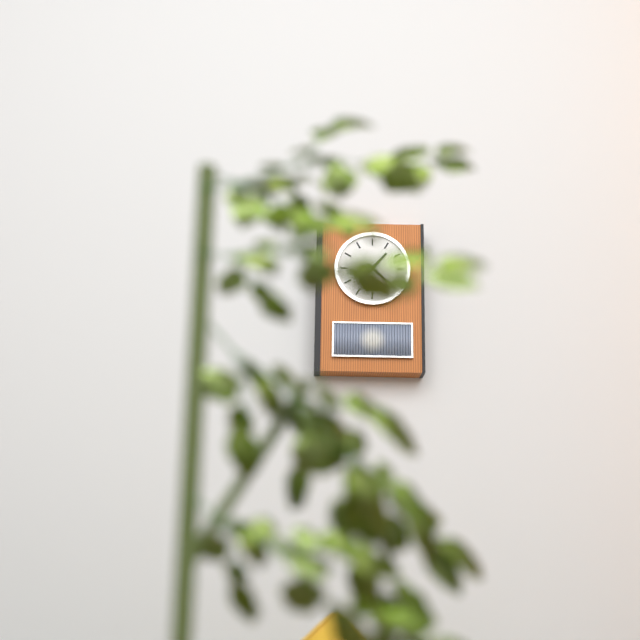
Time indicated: 1,22
